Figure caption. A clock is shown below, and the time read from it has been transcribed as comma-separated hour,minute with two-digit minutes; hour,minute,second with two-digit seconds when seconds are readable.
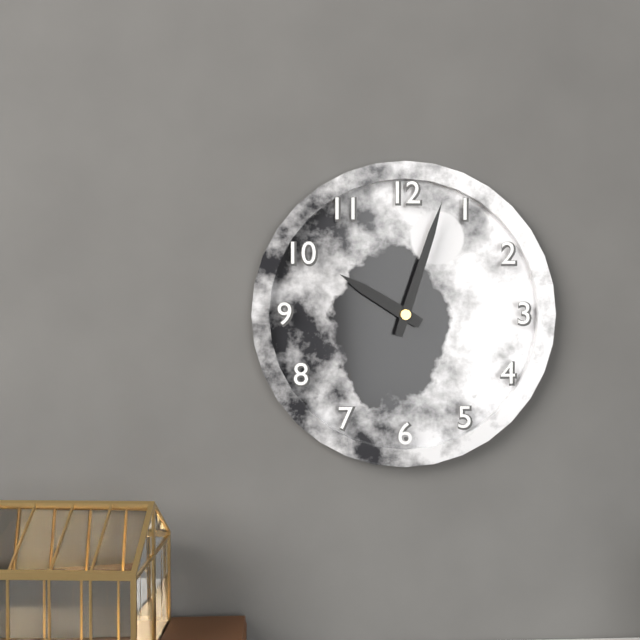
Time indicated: 10,03
